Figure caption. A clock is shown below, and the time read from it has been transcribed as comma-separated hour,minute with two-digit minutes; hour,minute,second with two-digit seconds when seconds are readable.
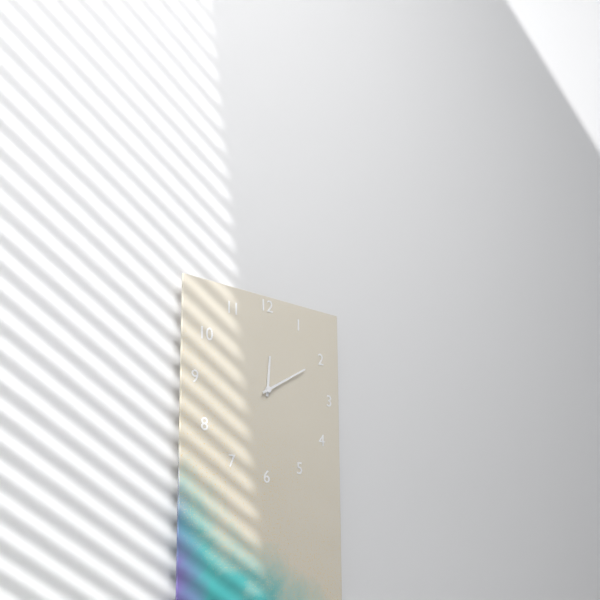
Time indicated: 12,10
